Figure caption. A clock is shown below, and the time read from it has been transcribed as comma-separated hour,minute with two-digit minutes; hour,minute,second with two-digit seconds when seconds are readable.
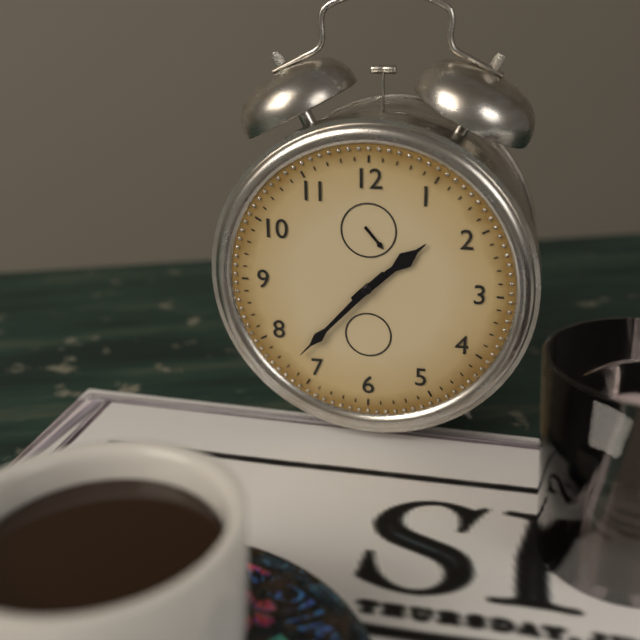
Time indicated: 1,37
